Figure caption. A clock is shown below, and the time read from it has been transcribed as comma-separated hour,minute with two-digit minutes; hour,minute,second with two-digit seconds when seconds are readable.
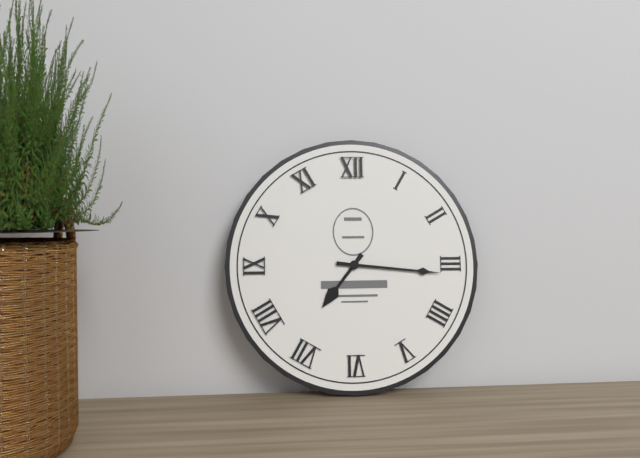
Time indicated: 7,16
